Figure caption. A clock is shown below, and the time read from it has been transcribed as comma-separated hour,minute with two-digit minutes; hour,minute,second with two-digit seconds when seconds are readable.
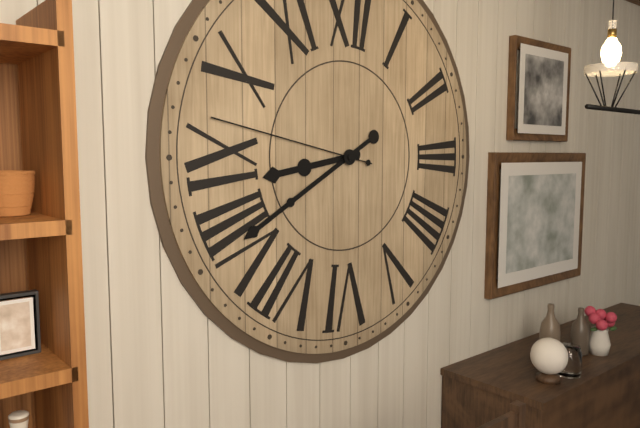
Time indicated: 8,40,47
